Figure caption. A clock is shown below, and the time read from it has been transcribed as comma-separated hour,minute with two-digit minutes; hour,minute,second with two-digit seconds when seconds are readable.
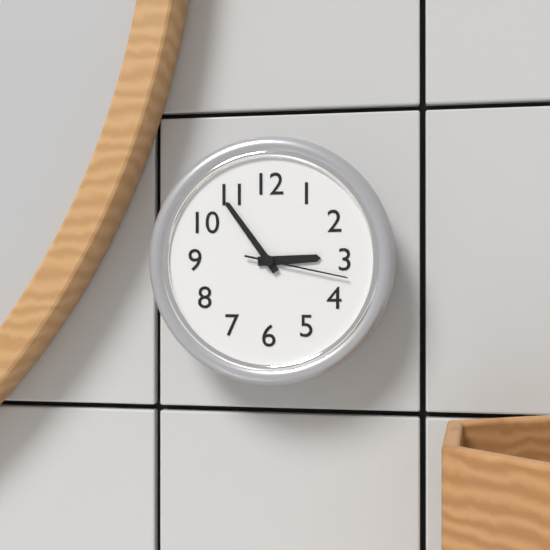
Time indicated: 2,54,17
